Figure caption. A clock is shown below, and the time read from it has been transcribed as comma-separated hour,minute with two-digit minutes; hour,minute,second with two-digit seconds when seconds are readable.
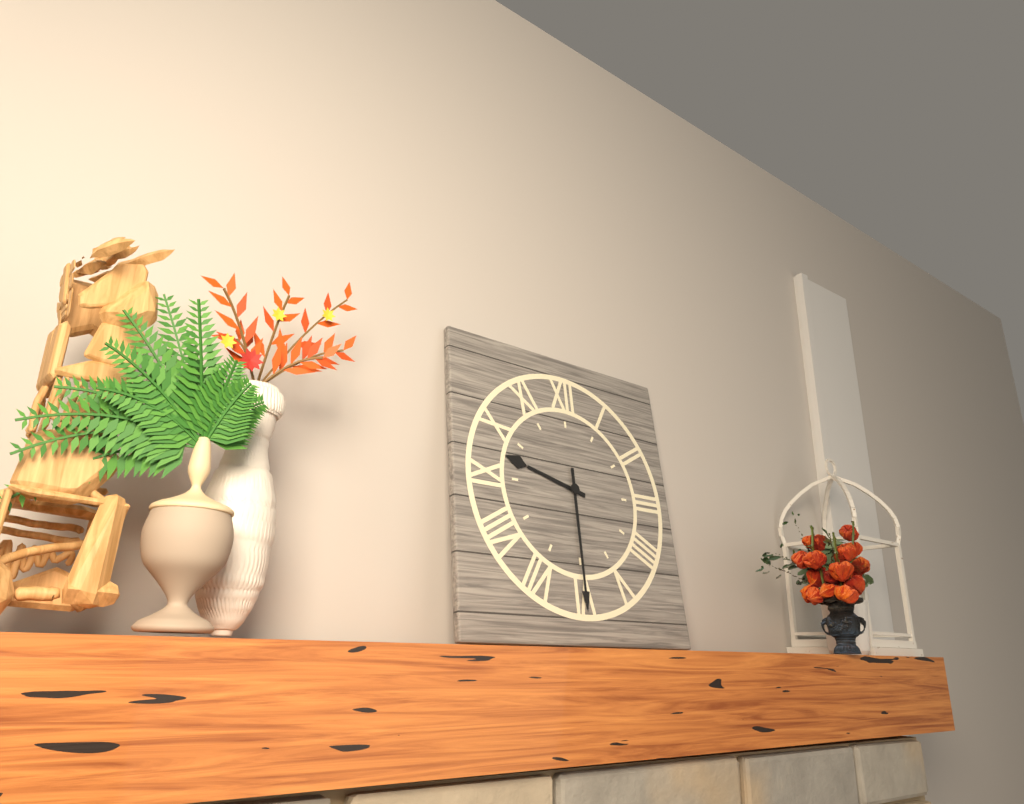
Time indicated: 9,30
